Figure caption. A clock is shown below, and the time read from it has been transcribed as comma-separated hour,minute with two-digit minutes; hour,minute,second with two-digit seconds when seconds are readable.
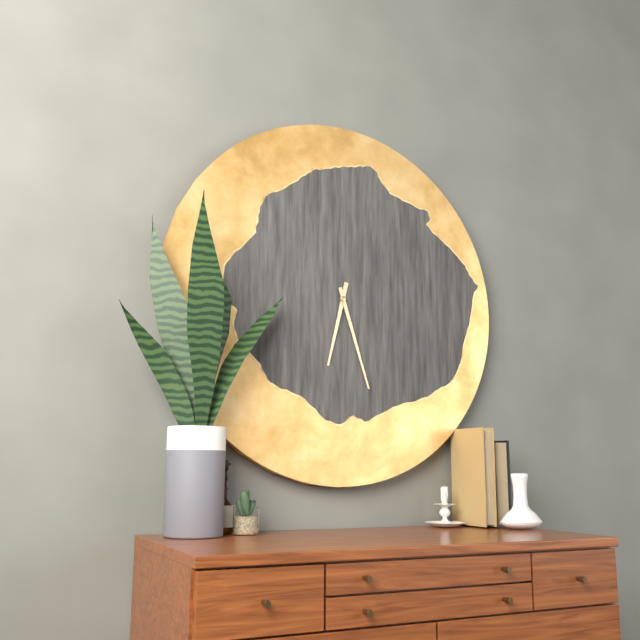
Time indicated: 6,27
